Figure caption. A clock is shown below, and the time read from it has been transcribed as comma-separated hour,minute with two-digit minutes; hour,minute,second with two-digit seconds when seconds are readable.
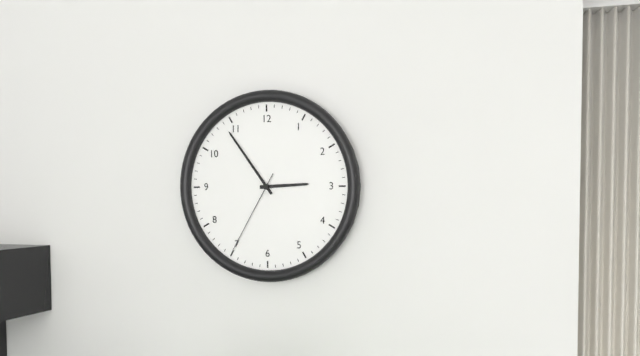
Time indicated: 2,54,35
